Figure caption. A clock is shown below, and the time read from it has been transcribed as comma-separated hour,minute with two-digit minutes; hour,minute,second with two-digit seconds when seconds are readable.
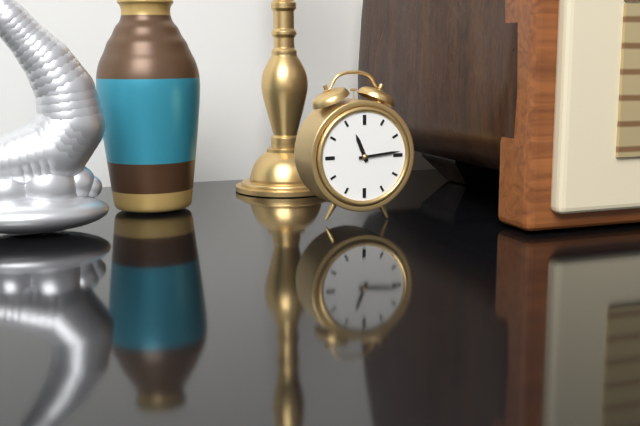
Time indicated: 11,14
